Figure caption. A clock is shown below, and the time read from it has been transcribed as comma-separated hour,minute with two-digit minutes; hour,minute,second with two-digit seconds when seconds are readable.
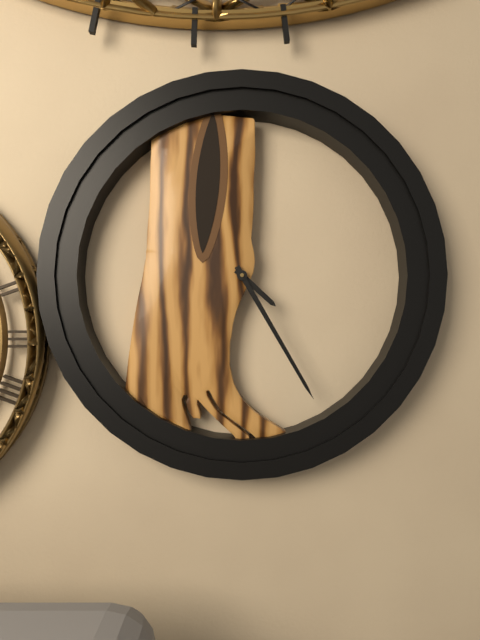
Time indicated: 4,25
